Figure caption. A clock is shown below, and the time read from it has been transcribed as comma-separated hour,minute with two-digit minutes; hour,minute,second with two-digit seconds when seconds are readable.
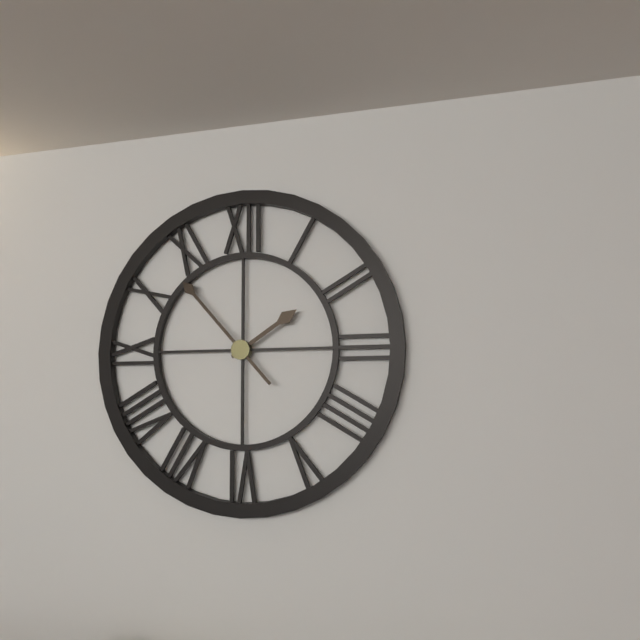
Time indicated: 1,53
